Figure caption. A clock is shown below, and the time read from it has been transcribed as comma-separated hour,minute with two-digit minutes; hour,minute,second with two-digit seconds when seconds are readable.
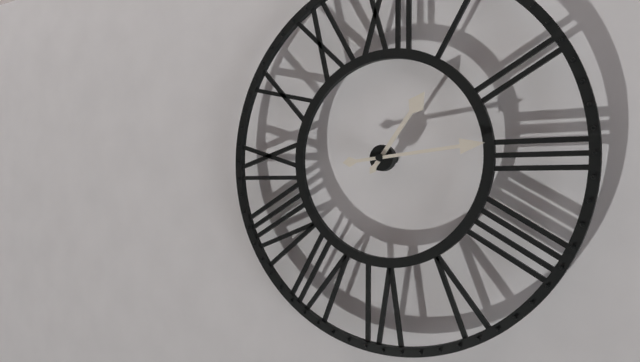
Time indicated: 1,14
